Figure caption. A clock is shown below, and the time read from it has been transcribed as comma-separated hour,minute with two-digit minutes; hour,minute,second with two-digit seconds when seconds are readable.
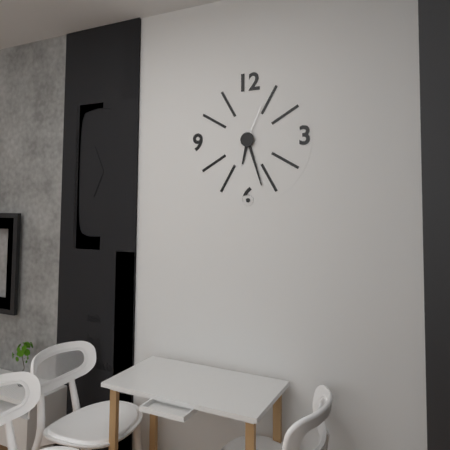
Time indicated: 6,27
